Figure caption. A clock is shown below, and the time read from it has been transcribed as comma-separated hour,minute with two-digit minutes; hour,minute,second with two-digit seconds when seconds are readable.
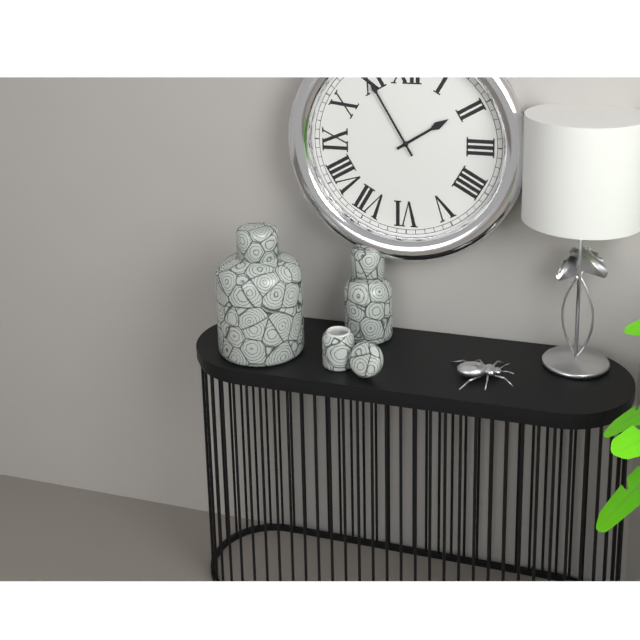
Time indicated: 1,55
